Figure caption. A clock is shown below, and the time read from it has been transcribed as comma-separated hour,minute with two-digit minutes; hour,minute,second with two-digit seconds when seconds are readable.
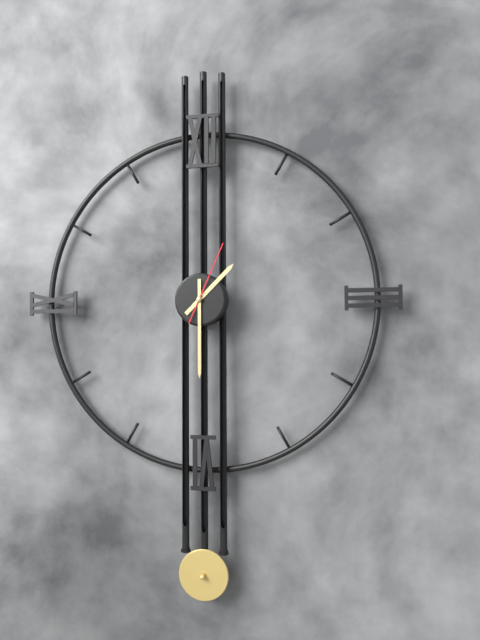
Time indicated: 1,30,04
